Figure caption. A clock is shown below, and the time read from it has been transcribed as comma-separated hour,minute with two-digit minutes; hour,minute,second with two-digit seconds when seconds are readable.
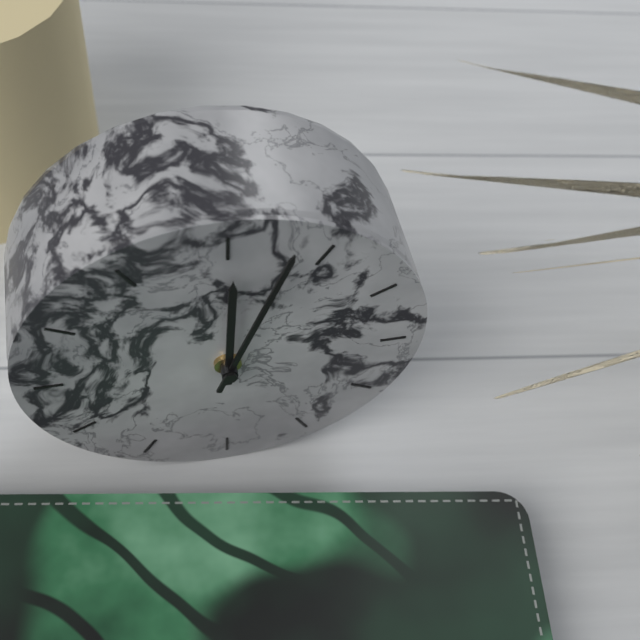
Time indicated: 12,03
